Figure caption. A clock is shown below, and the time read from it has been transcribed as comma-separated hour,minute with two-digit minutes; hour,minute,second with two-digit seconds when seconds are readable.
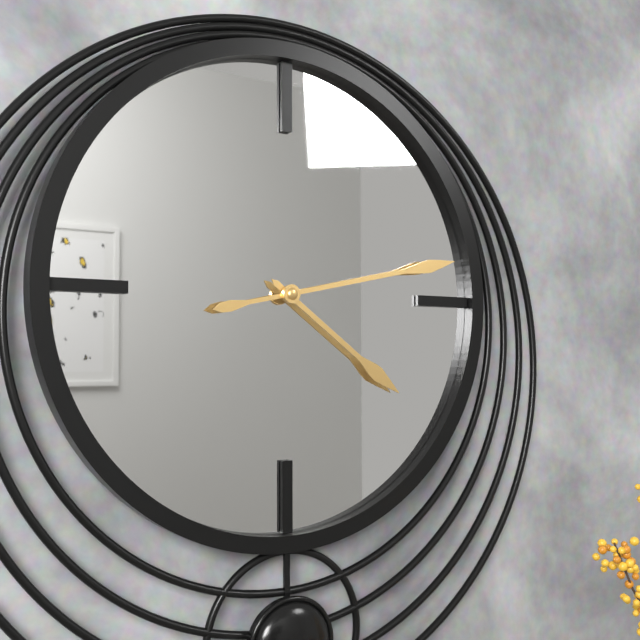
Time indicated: 4,13
